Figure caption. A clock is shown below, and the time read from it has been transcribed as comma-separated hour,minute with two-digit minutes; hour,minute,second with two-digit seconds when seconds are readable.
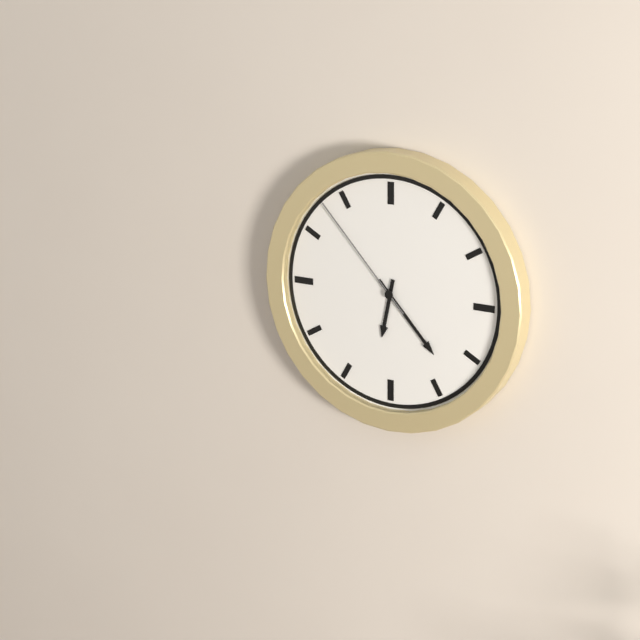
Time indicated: 6,23,53
